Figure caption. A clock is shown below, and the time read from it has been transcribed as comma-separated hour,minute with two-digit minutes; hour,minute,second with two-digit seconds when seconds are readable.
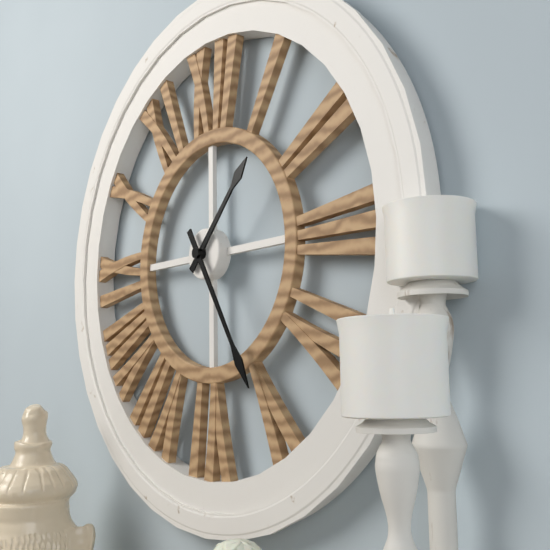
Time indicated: 1,25
